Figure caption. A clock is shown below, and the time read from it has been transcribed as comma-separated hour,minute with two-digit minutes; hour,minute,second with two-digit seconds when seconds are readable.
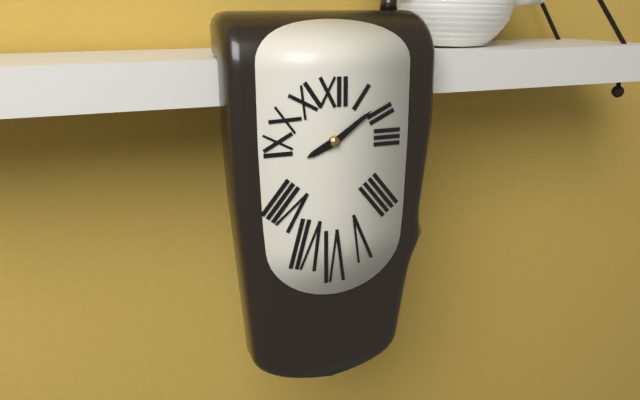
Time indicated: 8,09
